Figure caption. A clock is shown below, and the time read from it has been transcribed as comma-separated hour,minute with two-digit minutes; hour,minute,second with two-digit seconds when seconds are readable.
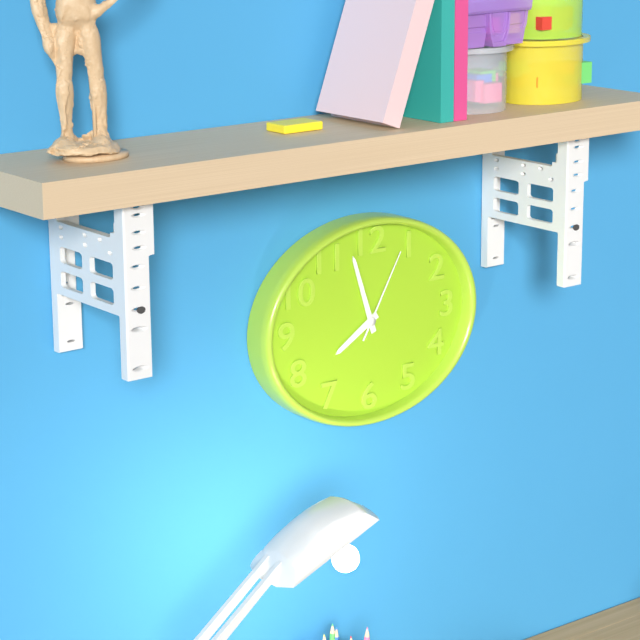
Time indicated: 7,57,05
